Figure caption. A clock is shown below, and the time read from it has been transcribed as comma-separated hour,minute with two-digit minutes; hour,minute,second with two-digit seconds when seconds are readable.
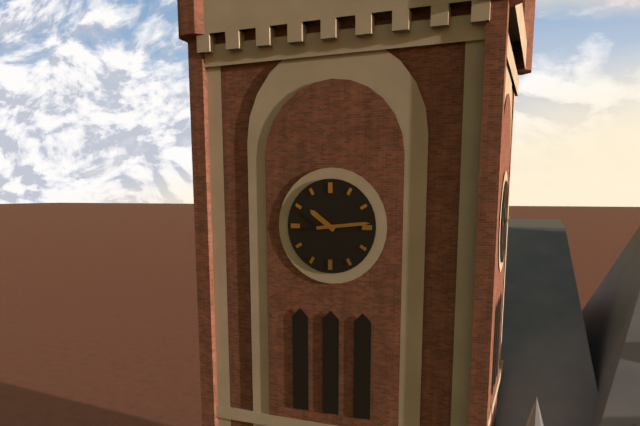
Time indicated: 10,14
